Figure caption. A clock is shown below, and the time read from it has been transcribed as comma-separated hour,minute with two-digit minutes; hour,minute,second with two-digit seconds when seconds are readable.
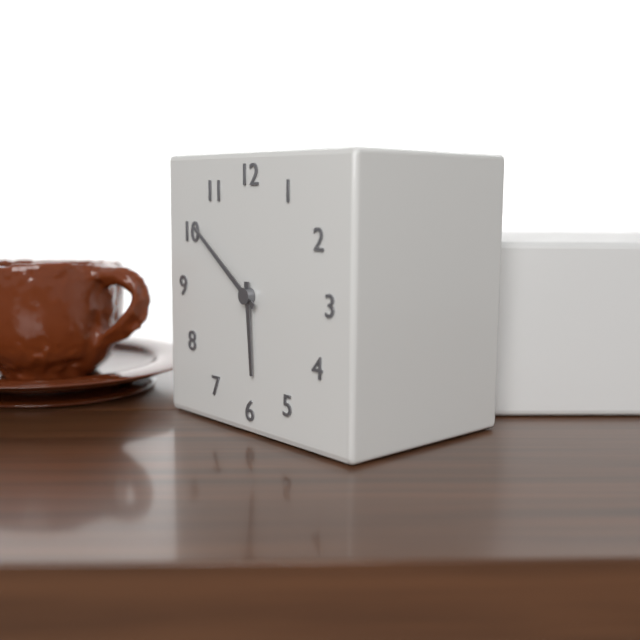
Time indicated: 5,51
